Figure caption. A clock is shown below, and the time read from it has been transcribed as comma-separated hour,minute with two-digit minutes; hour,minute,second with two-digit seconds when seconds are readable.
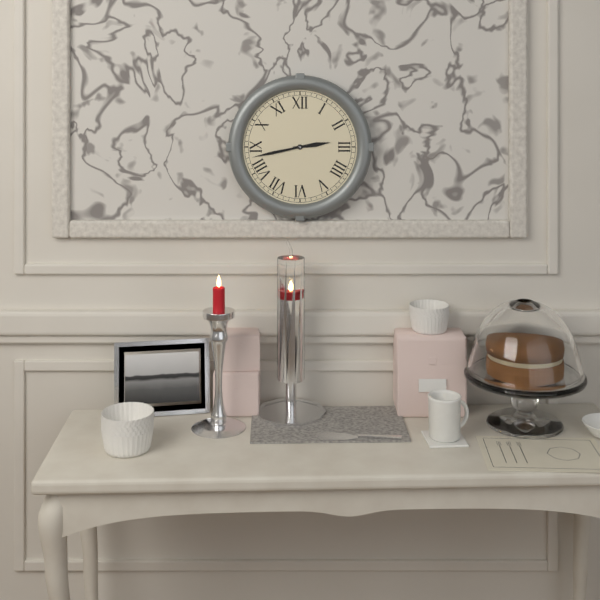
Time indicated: 2,43
